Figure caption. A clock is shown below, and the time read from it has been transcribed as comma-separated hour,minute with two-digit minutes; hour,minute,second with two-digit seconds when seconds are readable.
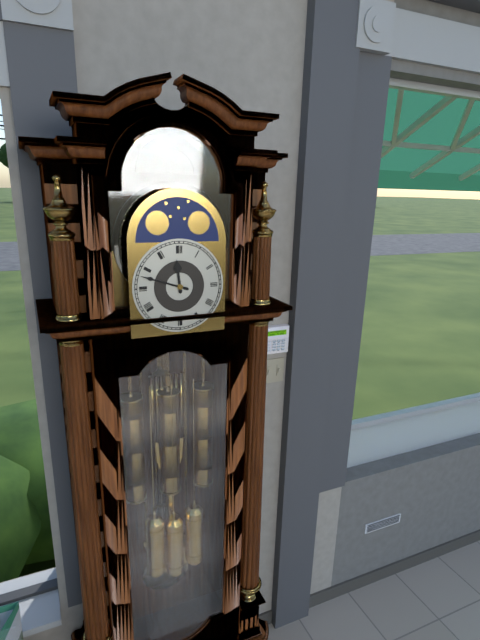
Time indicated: 11,48
